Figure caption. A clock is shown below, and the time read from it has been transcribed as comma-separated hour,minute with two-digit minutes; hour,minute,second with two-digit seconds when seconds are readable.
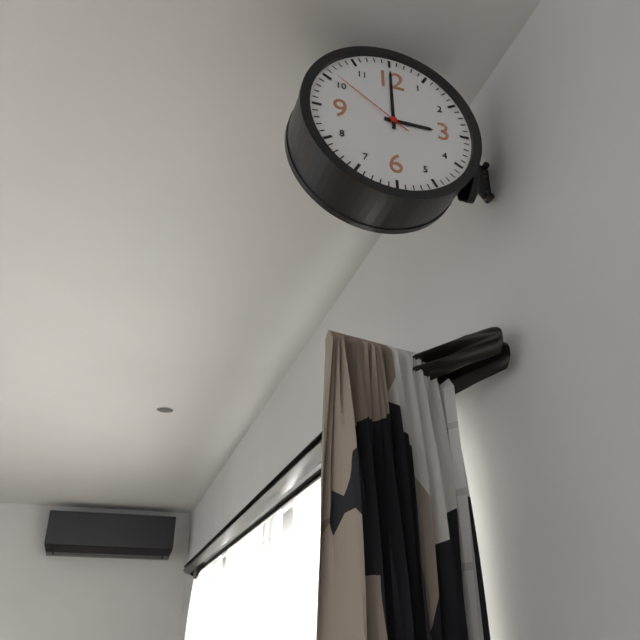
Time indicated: 3,00,51
